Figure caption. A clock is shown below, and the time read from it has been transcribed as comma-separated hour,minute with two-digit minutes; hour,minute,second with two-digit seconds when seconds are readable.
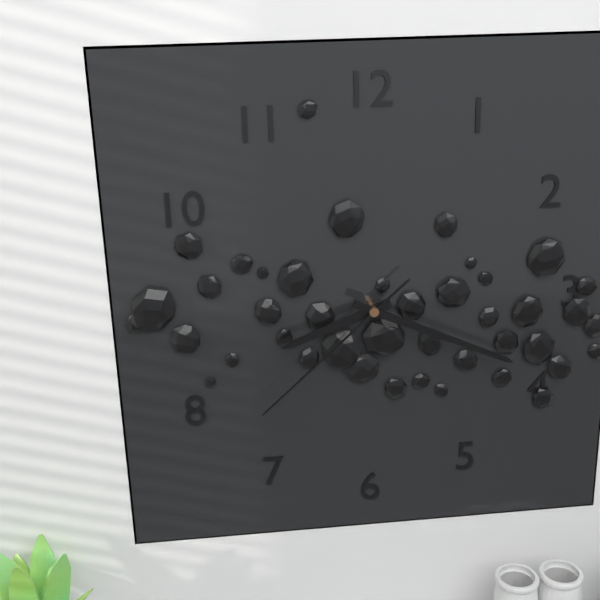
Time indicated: 8,19,38
